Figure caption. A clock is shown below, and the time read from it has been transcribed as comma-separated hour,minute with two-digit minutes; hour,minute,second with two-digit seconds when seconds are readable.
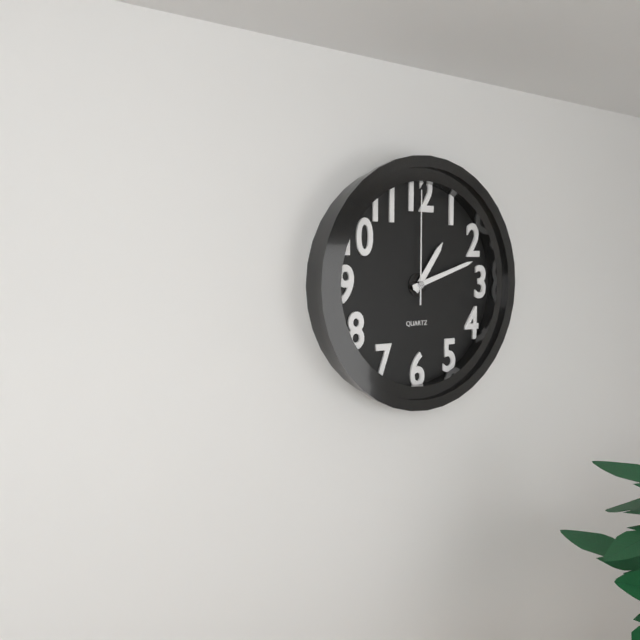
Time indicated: 1,12,00
